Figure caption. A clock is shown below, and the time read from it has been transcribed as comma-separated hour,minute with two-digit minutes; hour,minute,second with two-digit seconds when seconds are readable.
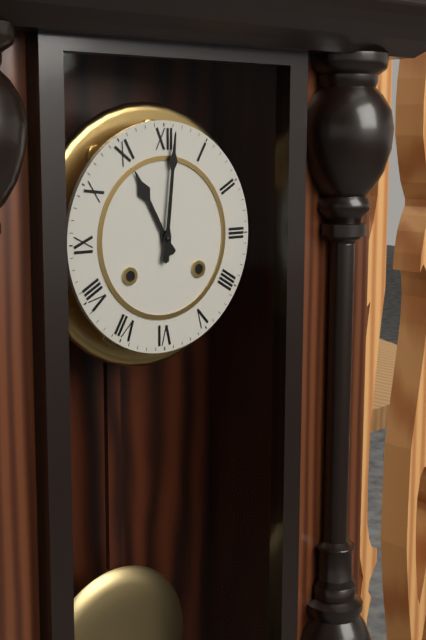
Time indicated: 11,01
